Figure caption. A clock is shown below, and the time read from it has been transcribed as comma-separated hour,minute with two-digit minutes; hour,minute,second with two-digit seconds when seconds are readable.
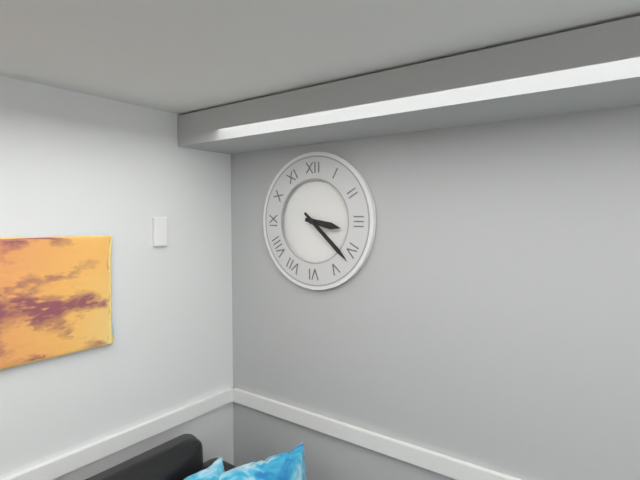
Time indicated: 3,22
